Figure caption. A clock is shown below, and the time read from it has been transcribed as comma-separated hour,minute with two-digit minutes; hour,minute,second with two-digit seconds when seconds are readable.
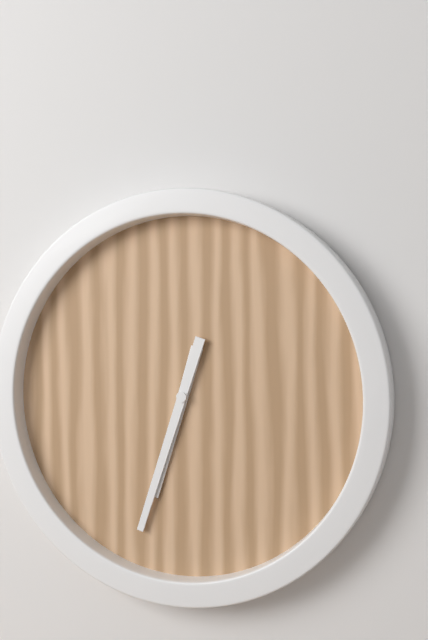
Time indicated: 6,33
